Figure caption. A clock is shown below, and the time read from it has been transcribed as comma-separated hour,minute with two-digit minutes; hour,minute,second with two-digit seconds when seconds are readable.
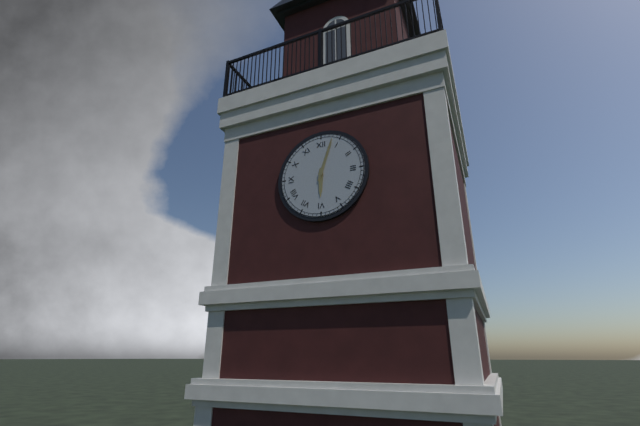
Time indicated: 6,03
